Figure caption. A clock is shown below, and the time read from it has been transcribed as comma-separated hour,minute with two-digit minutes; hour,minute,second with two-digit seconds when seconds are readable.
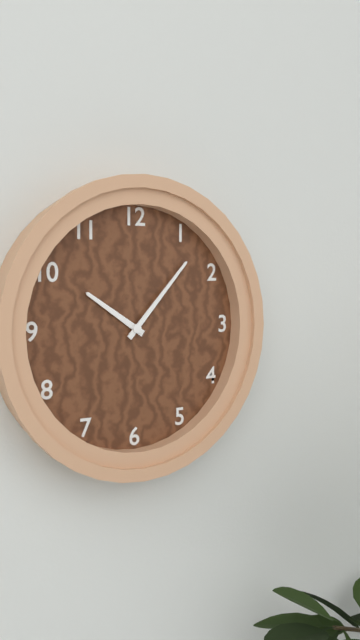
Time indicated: 10,07
